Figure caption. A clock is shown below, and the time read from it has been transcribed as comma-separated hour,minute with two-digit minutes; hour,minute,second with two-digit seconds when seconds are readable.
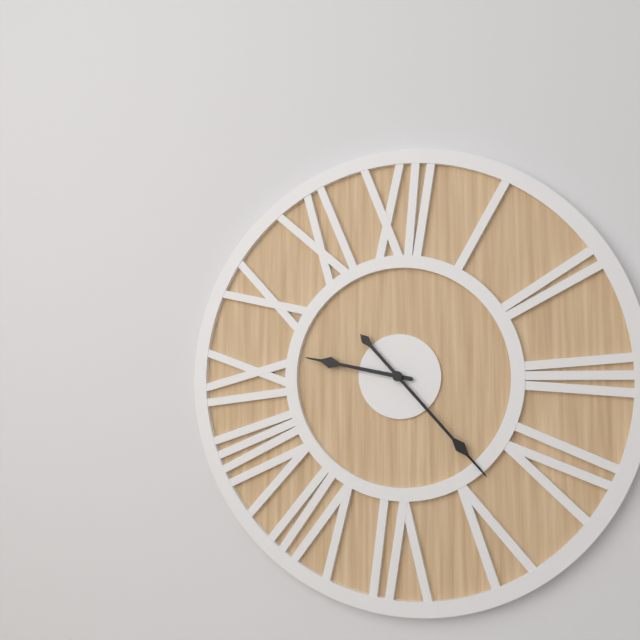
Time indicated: 9,23
